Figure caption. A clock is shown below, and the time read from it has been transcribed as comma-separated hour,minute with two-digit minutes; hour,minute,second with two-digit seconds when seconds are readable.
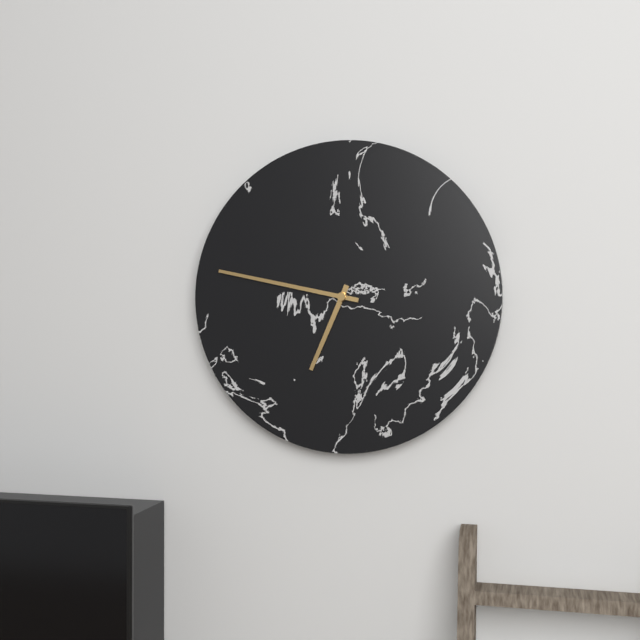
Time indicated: 6,47
